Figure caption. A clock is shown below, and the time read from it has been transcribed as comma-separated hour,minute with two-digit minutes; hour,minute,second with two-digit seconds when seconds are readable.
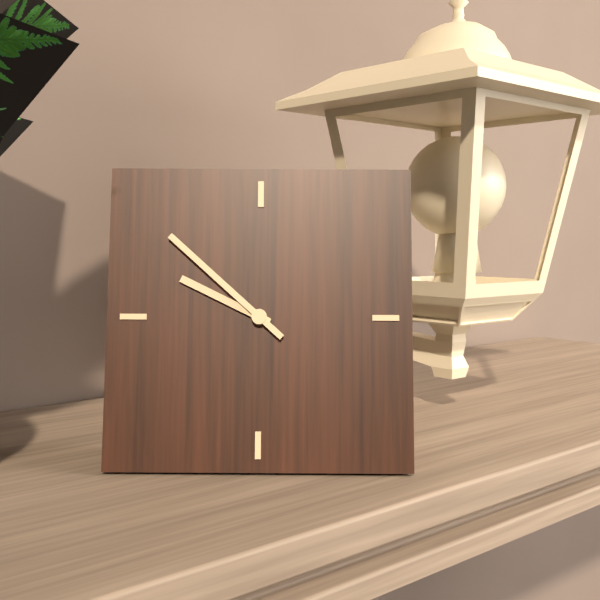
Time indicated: 9,52
